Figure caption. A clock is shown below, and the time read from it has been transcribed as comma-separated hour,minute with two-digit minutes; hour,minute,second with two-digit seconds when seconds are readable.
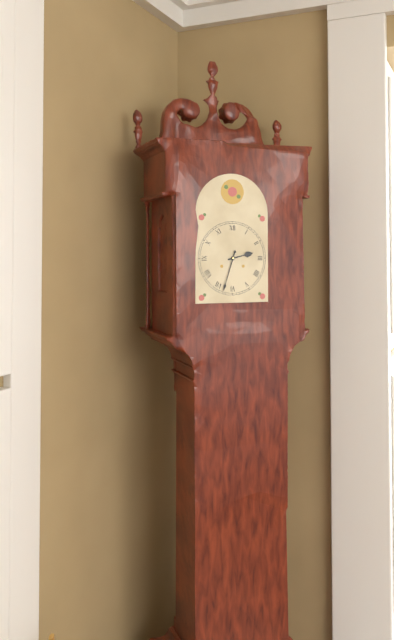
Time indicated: 2,33
